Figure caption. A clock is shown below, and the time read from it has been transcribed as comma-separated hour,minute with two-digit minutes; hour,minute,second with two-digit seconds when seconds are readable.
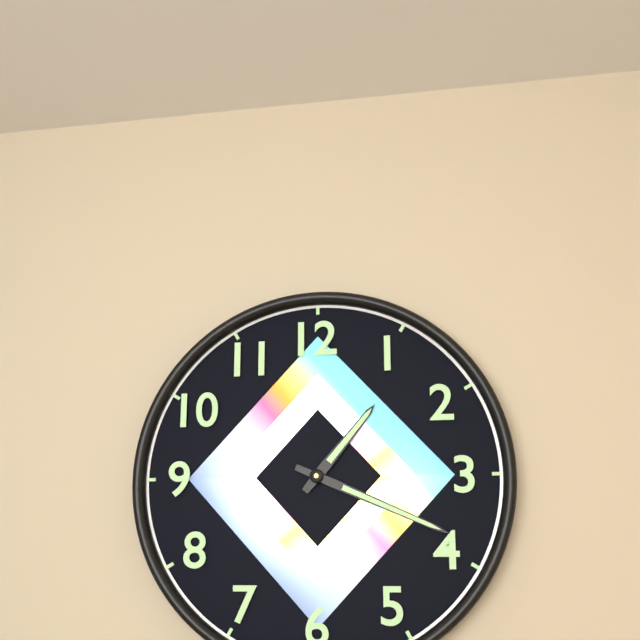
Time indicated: 1,19
